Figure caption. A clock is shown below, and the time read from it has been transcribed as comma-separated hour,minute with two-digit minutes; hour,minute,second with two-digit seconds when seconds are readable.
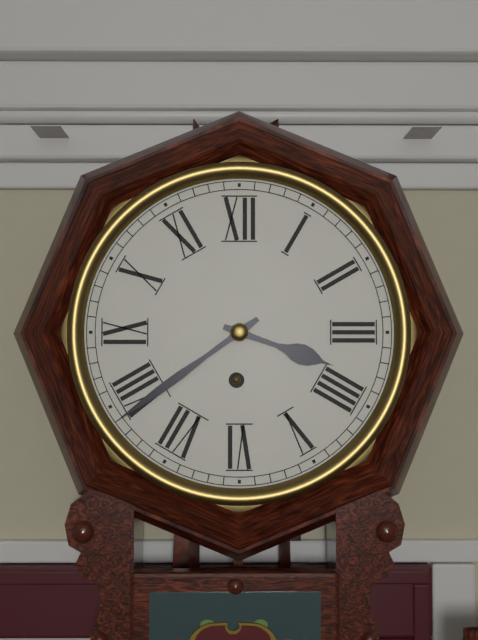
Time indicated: 3,39
